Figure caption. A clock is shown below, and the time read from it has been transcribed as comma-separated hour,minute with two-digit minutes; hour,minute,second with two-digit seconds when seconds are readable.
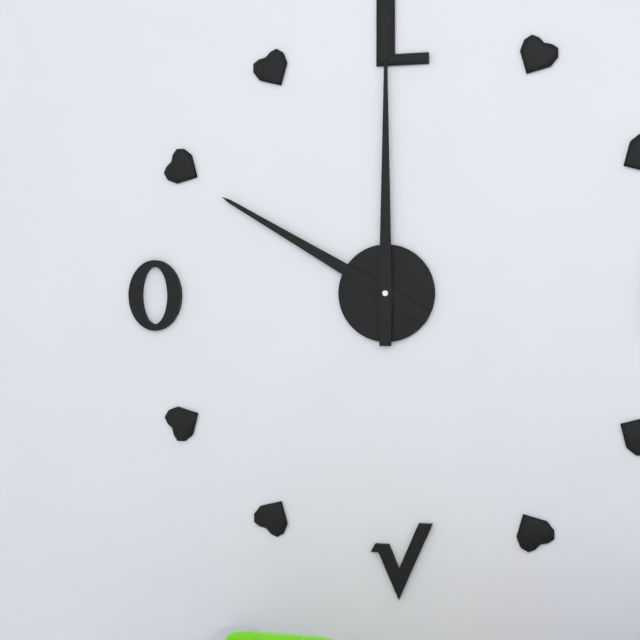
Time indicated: 10,00
